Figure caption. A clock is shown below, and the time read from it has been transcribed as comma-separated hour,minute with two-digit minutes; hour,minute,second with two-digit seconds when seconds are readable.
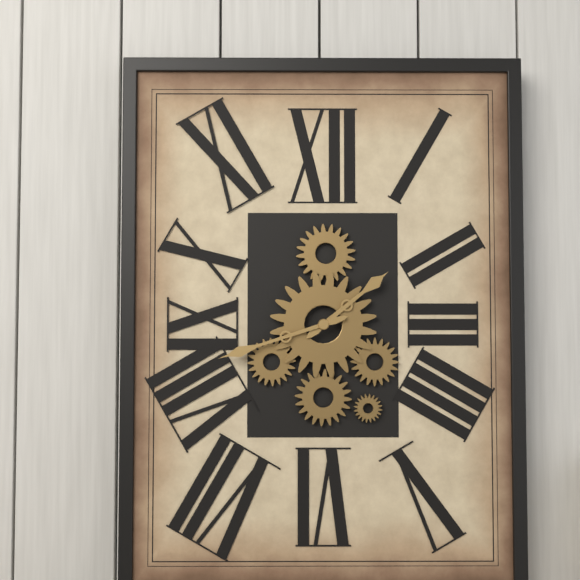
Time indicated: 1,42
